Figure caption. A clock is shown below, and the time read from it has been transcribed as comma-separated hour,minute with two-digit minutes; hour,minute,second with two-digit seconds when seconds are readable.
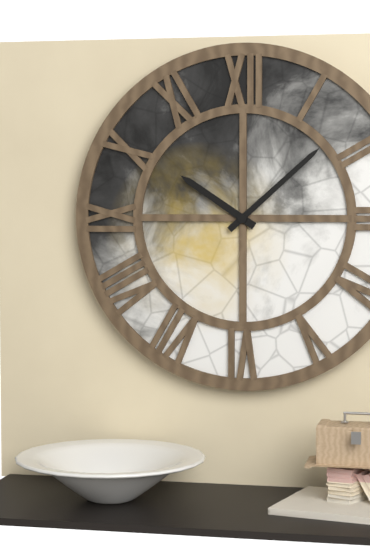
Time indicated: 10,08
